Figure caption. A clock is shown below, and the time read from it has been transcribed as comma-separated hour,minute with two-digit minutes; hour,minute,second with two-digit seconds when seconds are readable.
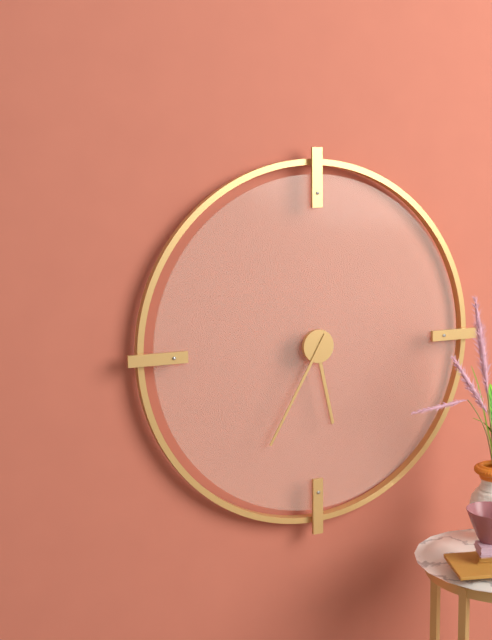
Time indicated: 5,35
